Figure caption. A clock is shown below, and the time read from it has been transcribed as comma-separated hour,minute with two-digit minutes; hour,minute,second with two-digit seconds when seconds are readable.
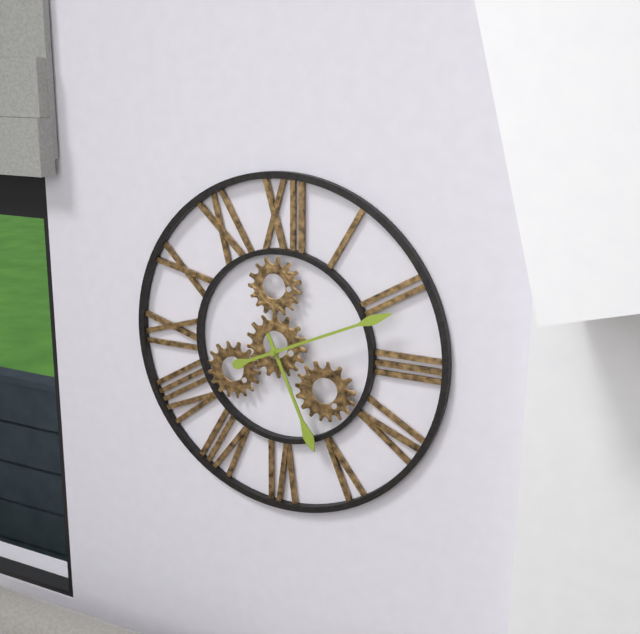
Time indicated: 5,11
